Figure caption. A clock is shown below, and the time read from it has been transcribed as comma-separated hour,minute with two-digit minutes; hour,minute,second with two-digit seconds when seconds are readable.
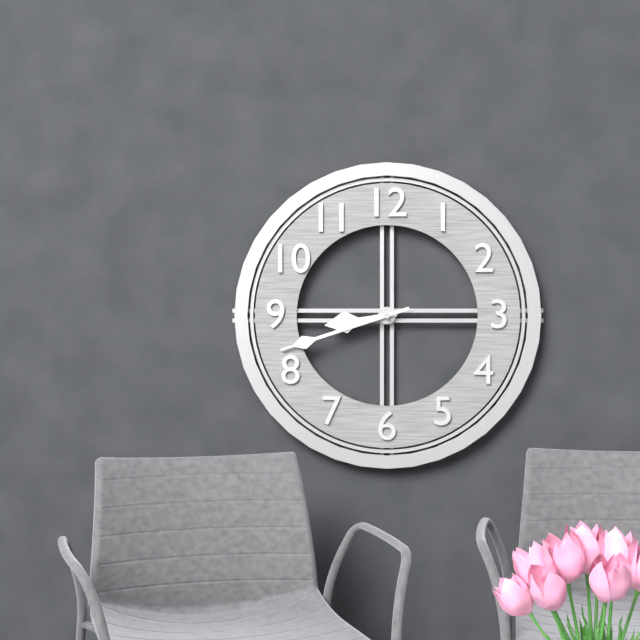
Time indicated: 8,42
